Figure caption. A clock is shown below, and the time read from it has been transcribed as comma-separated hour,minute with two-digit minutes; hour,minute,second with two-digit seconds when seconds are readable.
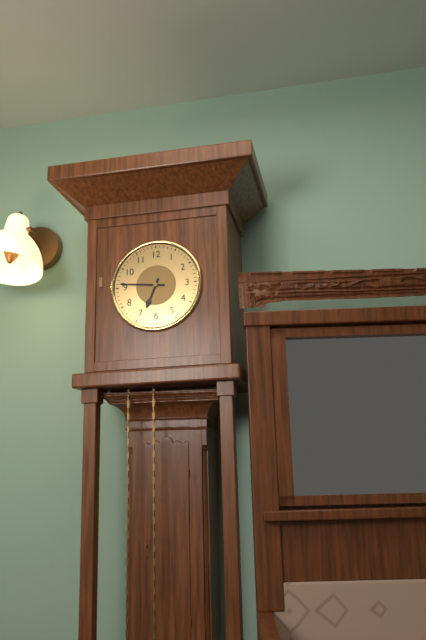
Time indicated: 6,46
